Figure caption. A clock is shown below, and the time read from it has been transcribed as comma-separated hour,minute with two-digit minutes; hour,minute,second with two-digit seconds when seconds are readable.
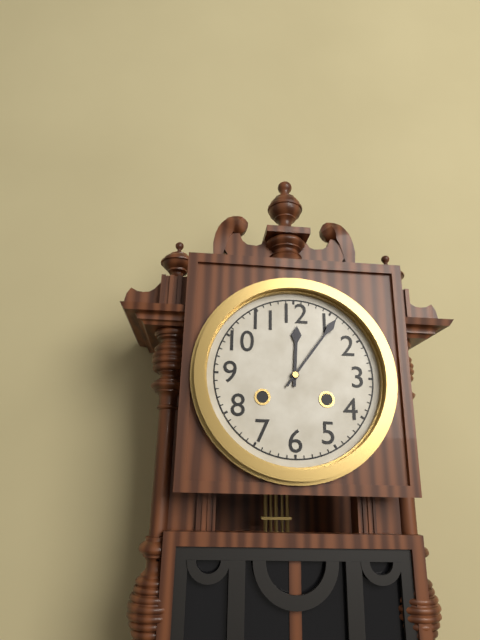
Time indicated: 12,06
